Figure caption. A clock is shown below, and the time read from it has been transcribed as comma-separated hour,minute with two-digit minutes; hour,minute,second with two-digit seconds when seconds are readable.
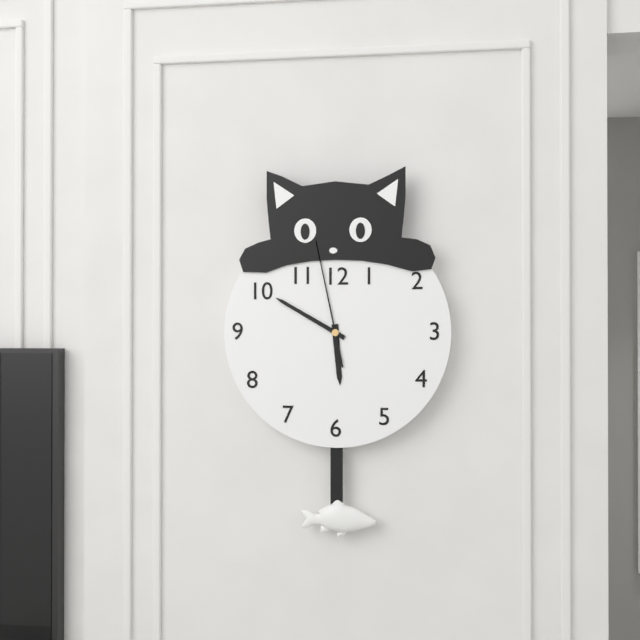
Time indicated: 5,50,58
